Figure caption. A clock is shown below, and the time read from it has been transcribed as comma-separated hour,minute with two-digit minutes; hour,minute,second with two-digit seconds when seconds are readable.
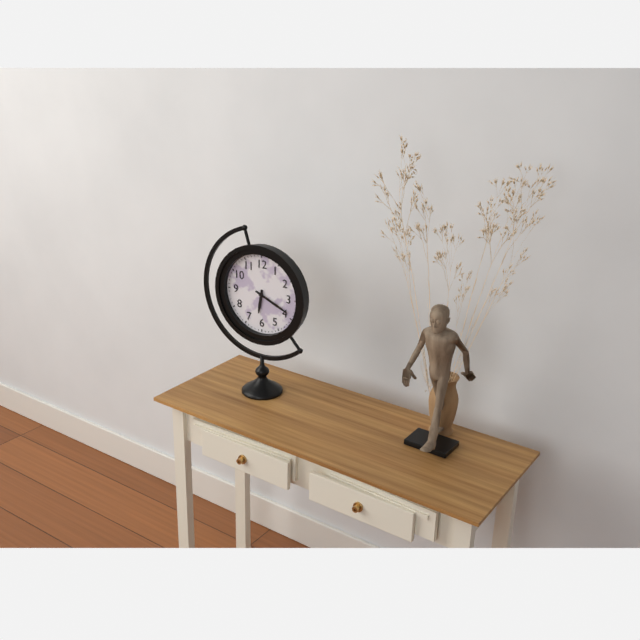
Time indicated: 6,19
